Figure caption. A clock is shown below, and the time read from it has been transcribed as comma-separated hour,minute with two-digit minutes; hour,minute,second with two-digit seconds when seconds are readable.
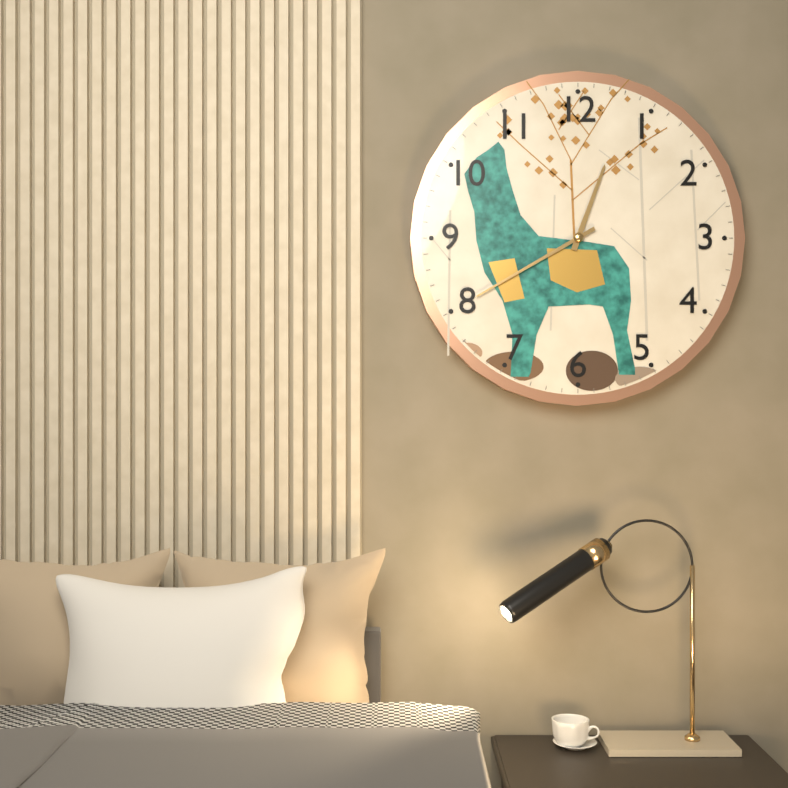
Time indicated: 12,40
